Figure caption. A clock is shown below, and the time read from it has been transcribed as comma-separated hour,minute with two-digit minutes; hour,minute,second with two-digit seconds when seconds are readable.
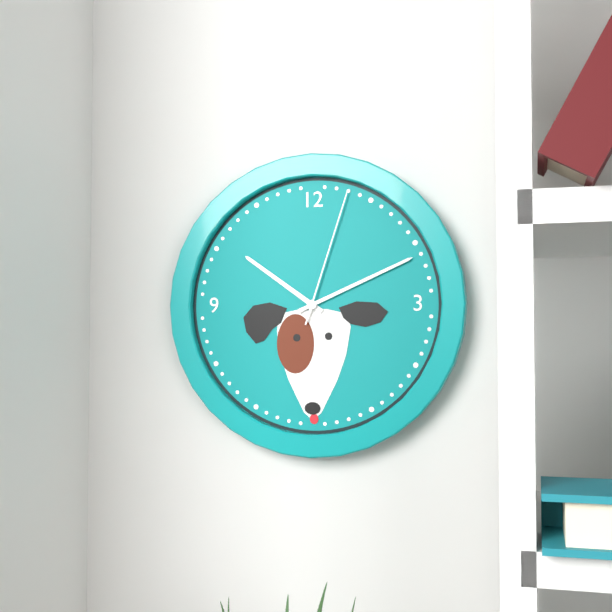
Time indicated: 10,11,03
